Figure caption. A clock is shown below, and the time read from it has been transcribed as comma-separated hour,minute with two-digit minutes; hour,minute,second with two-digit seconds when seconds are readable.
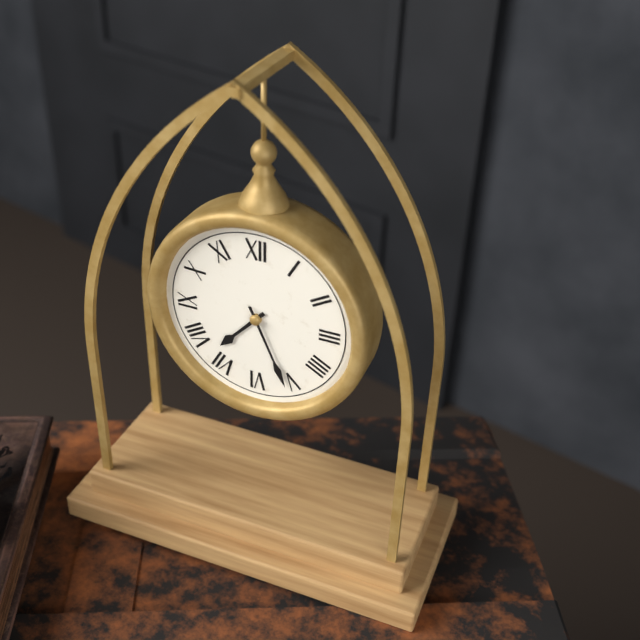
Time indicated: 7,26
